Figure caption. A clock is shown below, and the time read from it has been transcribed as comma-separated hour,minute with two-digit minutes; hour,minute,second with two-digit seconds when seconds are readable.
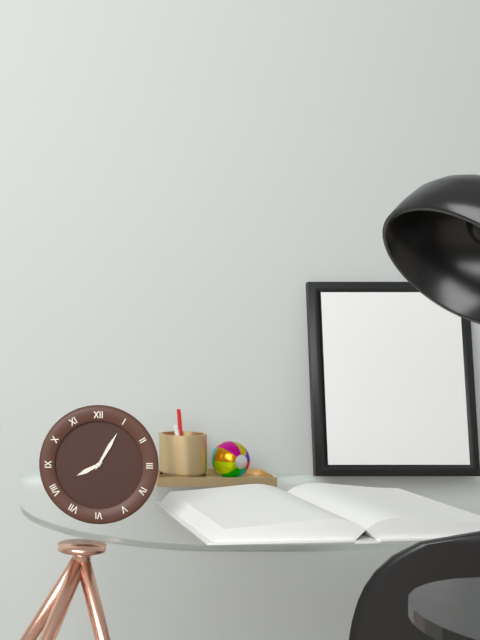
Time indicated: 8,05
